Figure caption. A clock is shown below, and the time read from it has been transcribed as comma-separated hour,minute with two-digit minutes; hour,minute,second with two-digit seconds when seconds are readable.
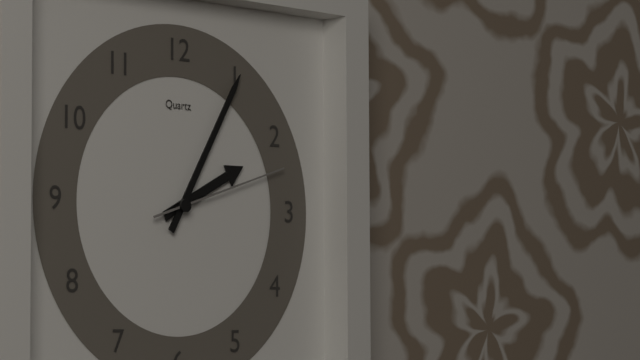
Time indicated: 2,05,12
